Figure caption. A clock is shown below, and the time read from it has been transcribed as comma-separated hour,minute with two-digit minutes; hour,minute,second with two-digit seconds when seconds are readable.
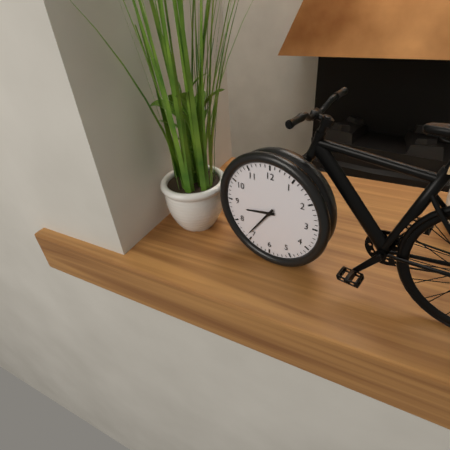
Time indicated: 8,36
